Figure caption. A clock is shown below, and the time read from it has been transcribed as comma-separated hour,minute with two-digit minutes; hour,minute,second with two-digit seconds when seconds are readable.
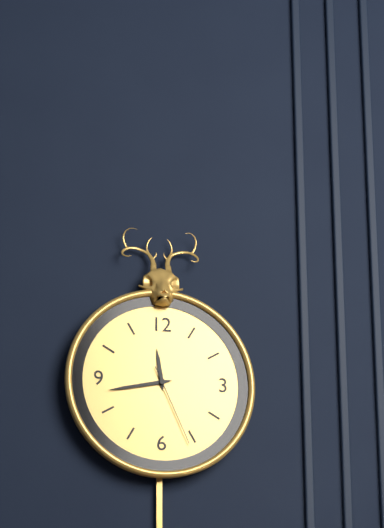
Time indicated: 11,43,26
